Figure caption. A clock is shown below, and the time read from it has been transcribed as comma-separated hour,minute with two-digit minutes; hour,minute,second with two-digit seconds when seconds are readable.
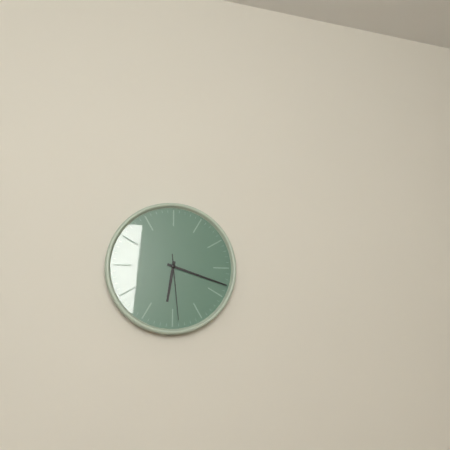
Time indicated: 6,18,29
